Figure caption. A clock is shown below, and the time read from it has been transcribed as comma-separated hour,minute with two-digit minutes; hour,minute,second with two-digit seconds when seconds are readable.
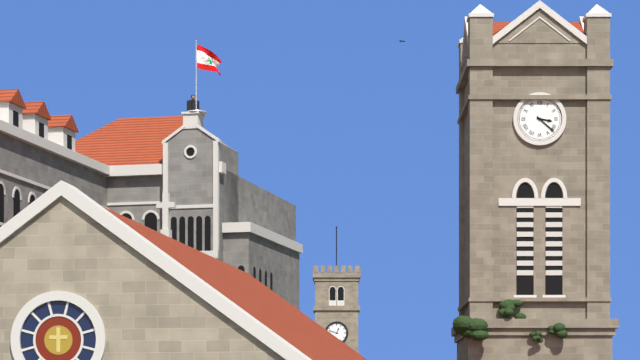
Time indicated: 3,22
